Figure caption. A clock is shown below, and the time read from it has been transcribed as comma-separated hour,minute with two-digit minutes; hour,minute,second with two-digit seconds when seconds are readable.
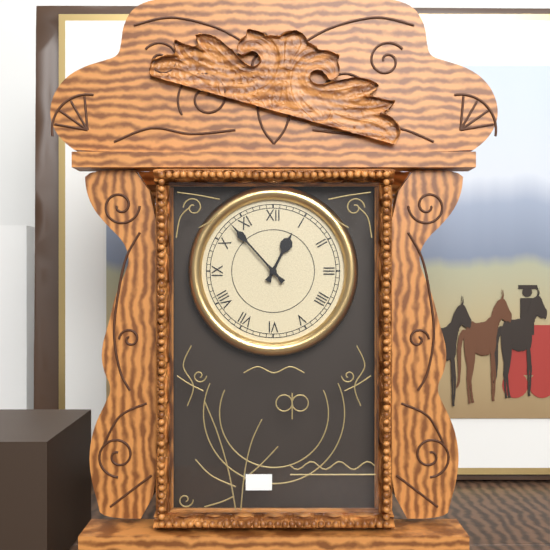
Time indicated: 12,53
